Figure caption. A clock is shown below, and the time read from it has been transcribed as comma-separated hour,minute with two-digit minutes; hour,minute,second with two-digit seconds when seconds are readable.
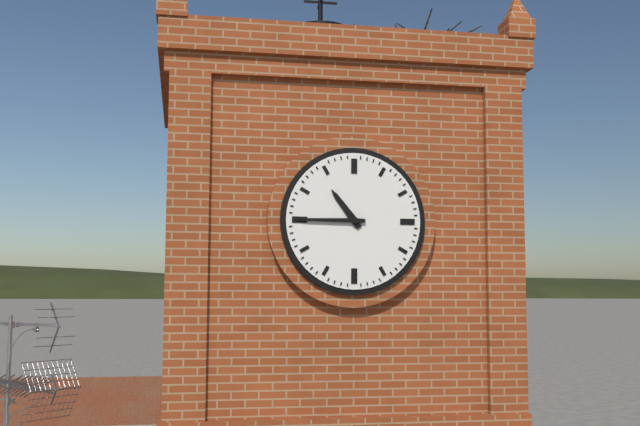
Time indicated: 10,45
